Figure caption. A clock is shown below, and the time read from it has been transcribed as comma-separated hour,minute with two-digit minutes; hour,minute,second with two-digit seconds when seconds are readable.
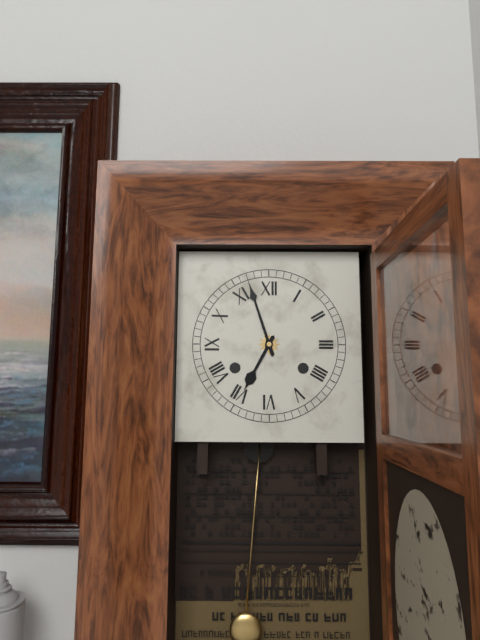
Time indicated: 6,57
